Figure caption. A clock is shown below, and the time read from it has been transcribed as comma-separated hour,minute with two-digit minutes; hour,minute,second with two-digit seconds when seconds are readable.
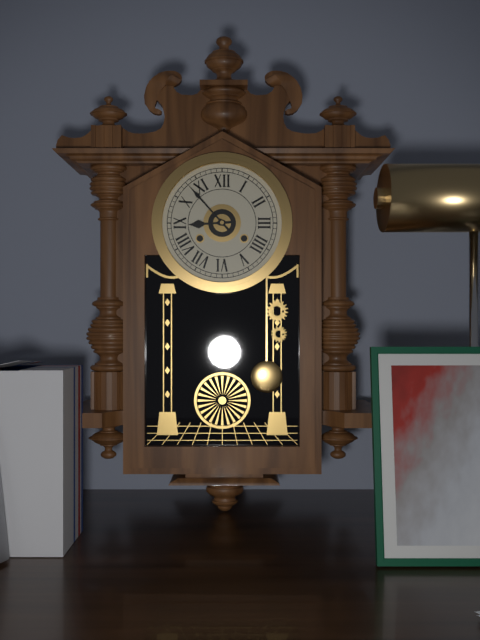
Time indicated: 8,53
